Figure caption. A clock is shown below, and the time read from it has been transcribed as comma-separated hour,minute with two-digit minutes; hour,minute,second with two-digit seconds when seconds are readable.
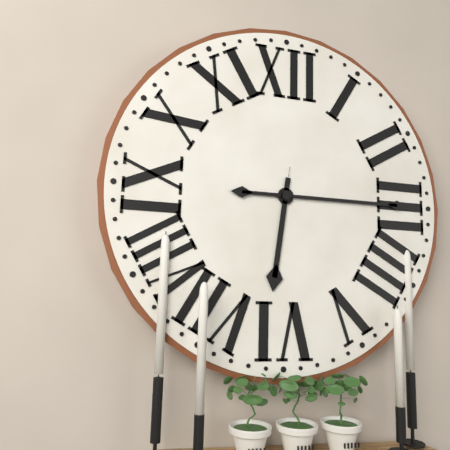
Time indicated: 6,15
